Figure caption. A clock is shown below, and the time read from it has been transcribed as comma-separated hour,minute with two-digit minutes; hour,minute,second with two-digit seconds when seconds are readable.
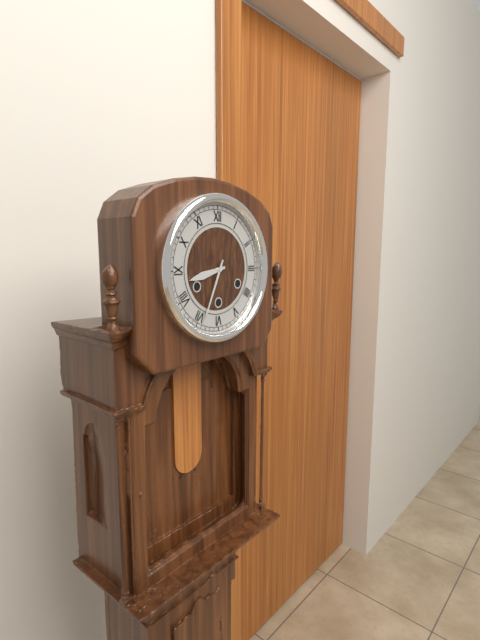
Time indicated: 8,34
